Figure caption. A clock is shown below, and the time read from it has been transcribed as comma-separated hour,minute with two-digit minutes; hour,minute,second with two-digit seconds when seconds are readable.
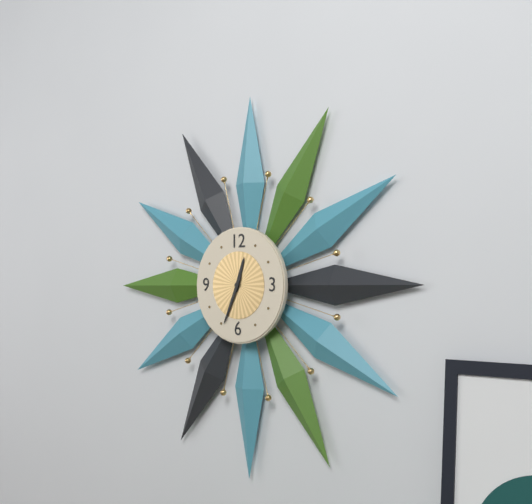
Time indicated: 12,34
